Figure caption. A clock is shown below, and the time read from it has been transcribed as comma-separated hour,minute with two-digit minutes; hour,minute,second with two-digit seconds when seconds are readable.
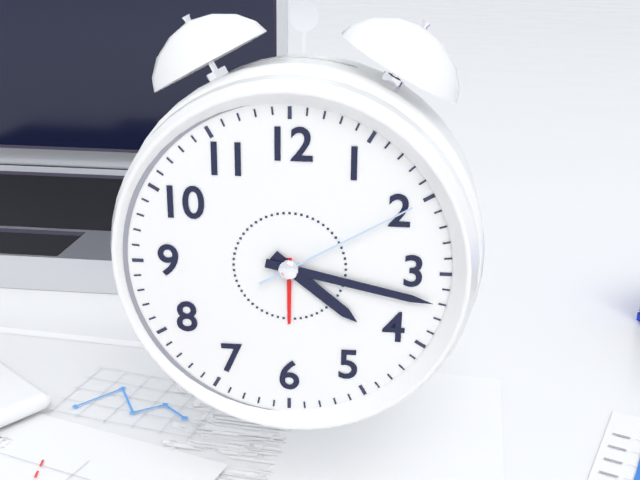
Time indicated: 4,17,10
